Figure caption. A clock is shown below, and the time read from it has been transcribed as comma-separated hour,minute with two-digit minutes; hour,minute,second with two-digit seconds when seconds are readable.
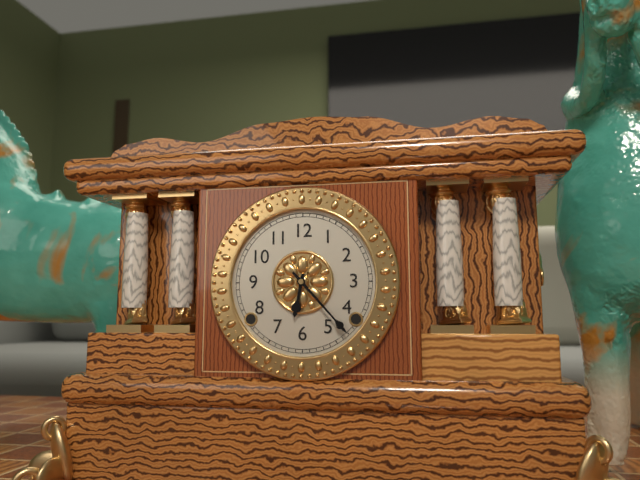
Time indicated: 6,23
